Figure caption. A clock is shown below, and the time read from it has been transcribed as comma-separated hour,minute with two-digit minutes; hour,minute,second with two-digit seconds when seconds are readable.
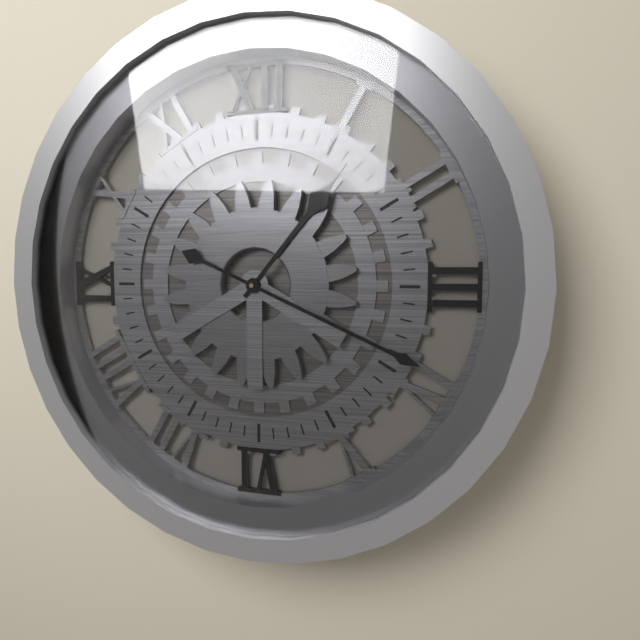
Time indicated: 1,19
